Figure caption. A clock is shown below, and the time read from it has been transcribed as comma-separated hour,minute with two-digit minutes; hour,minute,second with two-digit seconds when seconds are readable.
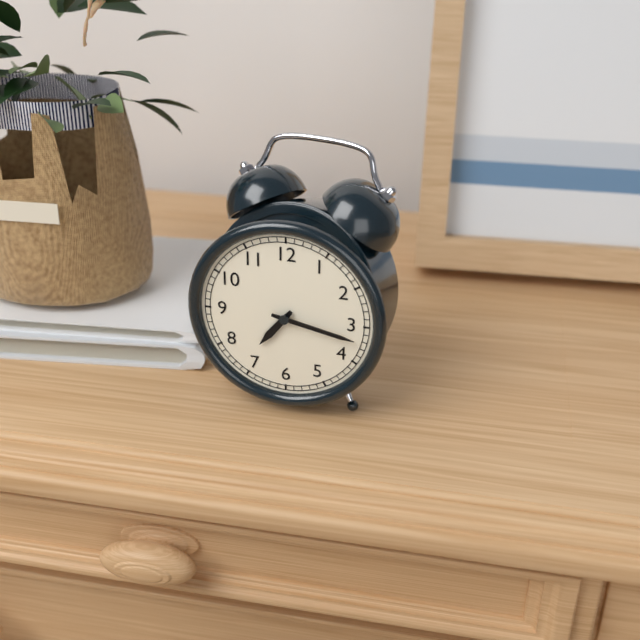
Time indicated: 7,17
